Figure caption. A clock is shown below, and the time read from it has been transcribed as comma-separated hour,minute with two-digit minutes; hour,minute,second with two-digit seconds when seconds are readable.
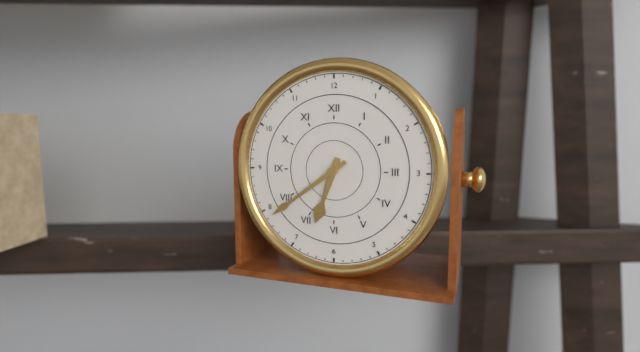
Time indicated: 6,39
